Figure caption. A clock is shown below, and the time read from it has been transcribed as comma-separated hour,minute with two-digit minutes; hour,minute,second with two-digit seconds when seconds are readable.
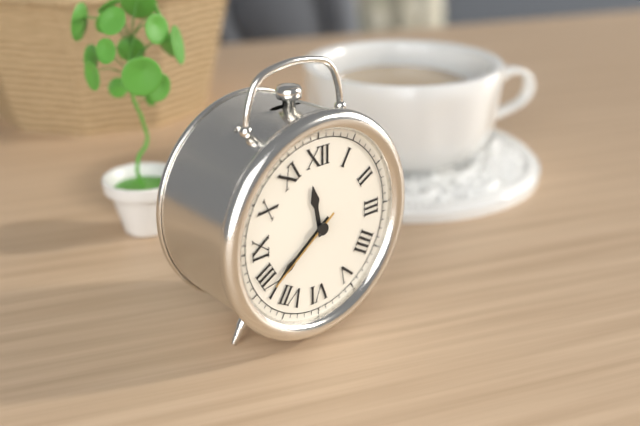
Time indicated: 11,39,39
